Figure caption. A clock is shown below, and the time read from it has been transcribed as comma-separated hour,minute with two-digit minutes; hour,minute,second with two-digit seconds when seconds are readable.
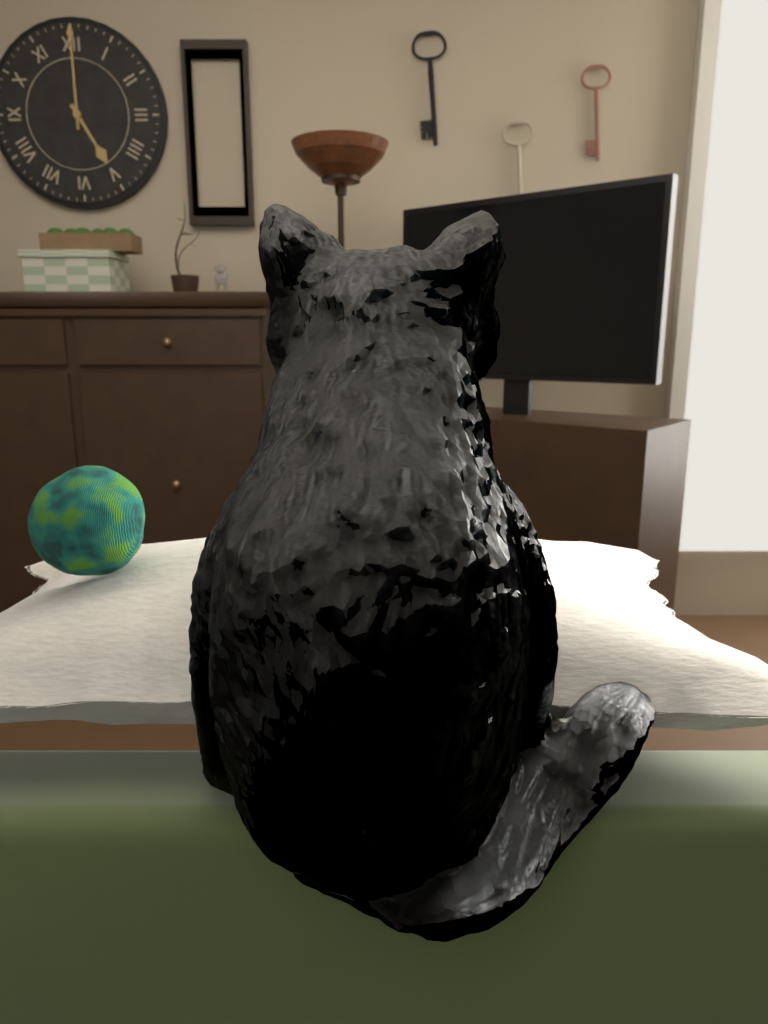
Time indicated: 5,00
